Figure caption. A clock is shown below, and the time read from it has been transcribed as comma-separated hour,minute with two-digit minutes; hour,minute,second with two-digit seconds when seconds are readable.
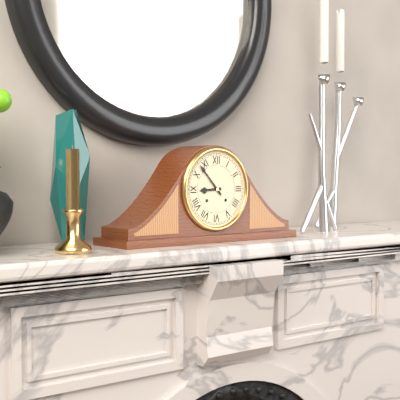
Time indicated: 8,53
